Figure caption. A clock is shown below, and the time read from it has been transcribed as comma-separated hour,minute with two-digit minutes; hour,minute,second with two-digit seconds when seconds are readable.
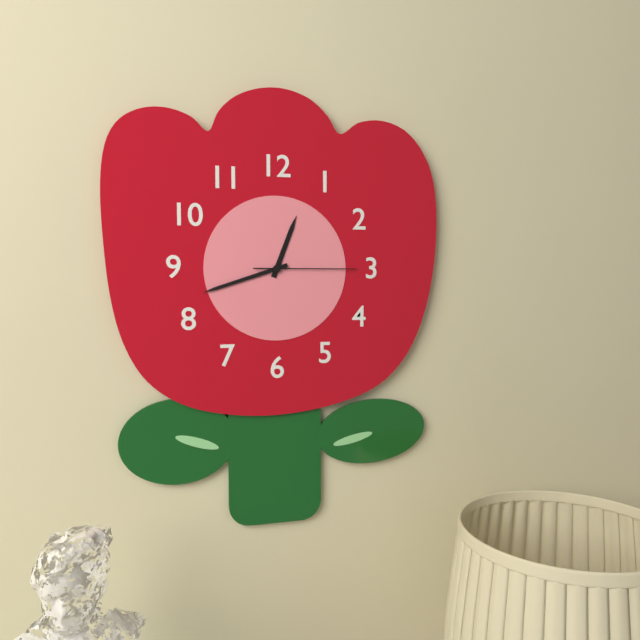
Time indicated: 12,42,15
